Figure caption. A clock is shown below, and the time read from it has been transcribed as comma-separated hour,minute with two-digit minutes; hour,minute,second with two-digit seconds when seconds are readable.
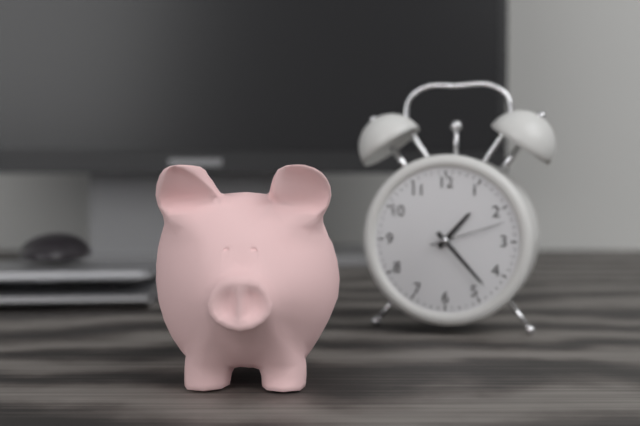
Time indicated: 1,23,12
